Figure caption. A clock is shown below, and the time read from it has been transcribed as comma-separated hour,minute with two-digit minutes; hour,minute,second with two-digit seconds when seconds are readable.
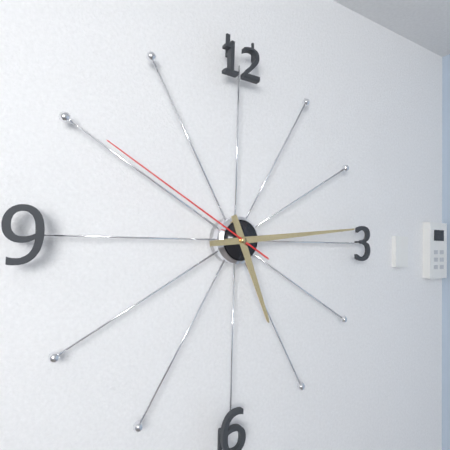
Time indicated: 5,14,50
